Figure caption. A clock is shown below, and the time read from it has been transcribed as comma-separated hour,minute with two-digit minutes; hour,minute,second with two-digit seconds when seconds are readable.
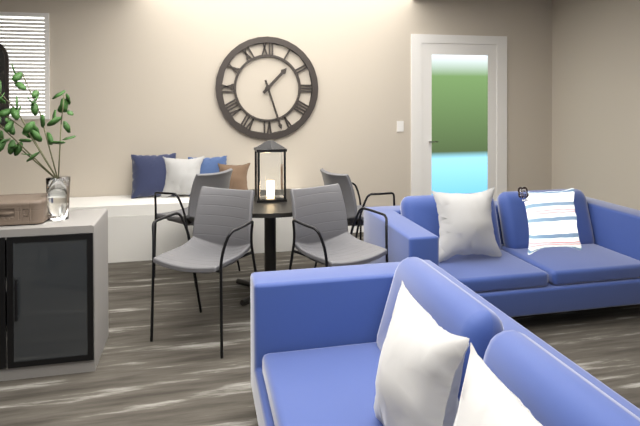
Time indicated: 1,27
